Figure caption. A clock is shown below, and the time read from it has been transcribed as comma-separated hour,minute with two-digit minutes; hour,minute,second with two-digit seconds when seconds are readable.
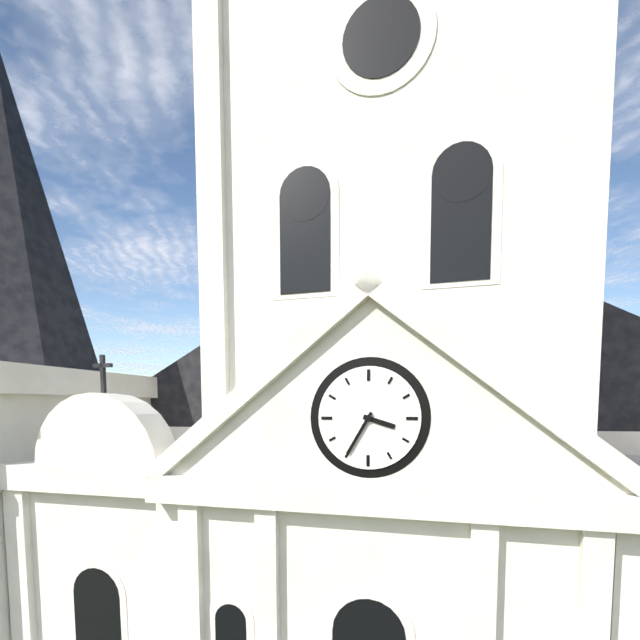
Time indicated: 3,35
